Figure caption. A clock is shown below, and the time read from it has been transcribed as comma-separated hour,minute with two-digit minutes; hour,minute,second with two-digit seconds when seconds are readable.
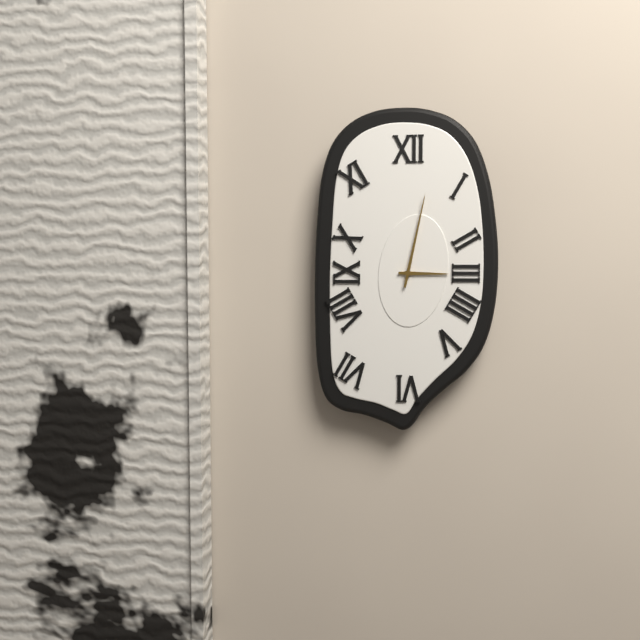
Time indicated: 3,02
